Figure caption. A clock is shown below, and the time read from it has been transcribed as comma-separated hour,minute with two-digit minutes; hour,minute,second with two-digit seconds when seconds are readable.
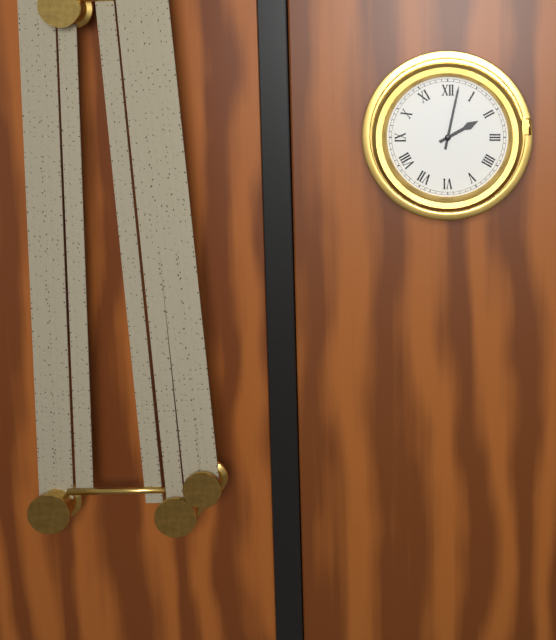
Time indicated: 2,02
